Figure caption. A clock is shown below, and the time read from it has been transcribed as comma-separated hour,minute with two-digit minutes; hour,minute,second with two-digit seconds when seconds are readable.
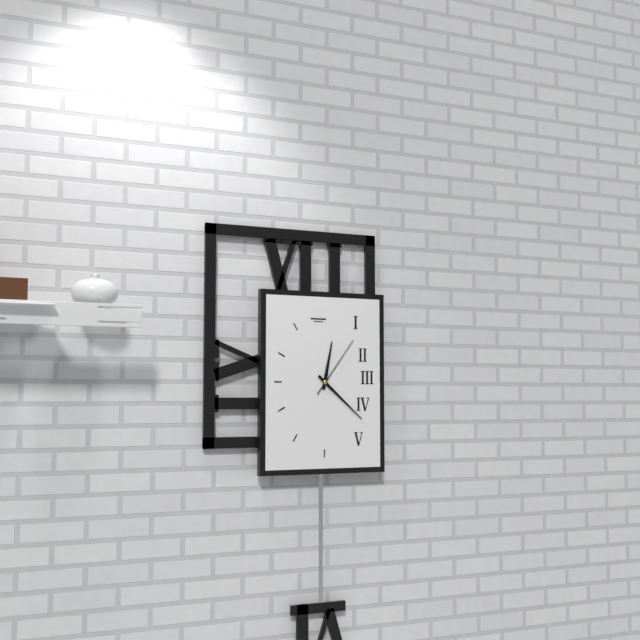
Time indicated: 12,22,06
